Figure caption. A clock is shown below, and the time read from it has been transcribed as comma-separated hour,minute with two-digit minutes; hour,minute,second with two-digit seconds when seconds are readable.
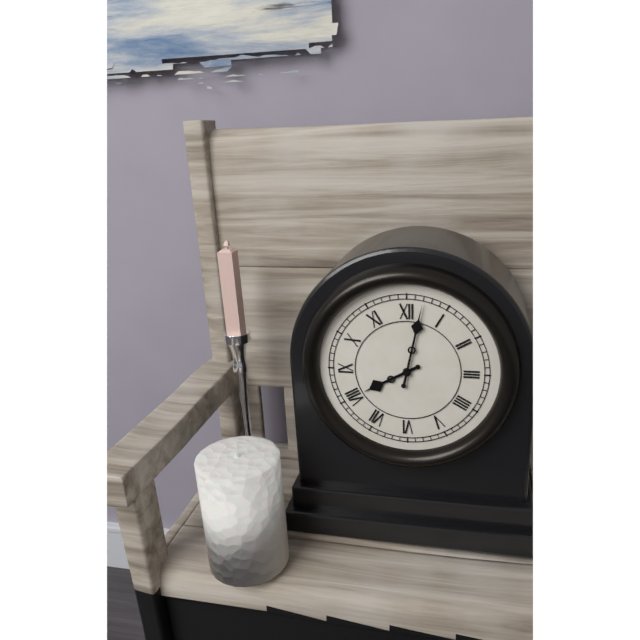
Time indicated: 8,02
